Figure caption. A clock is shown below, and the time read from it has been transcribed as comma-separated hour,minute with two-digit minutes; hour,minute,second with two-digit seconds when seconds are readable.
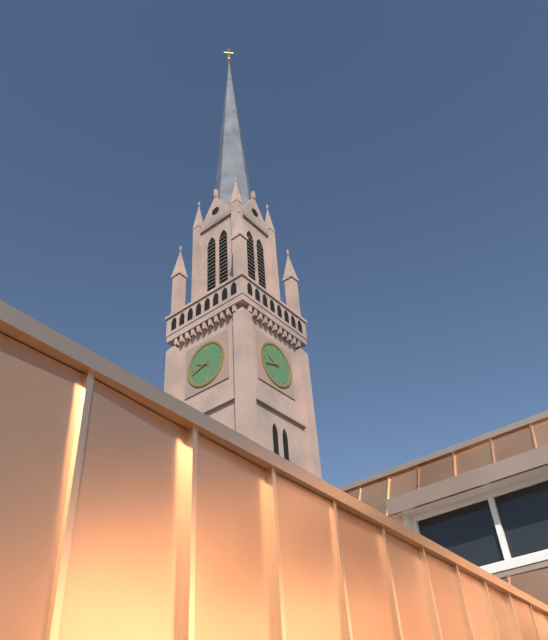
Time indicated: 9,42
